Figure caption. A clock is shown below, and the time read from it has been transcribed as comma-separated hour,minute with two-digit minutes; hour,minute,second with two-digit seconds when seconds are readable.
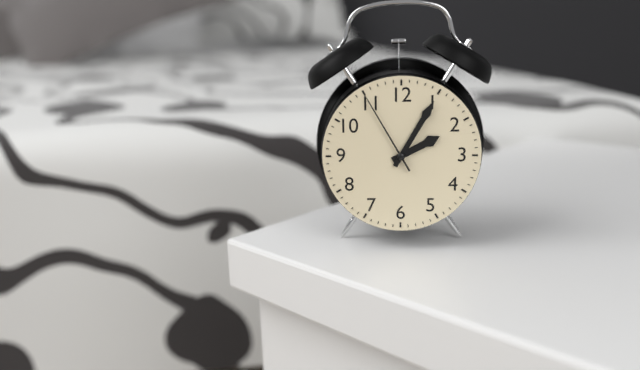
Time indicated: 2,05,55
